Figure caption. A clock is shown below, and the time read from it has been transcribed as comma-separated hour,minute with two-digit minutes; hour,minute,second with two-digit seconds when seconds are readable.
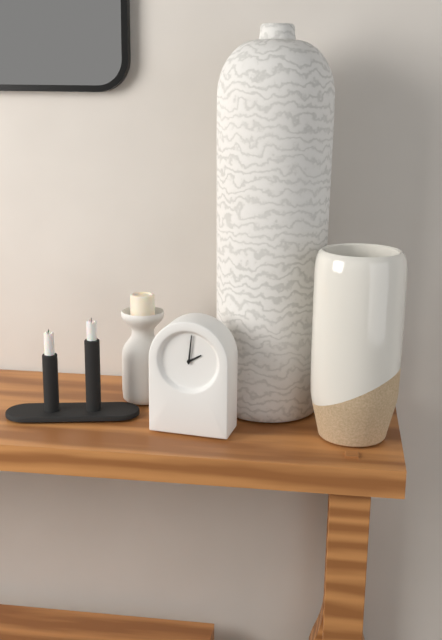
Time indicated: 2,01
